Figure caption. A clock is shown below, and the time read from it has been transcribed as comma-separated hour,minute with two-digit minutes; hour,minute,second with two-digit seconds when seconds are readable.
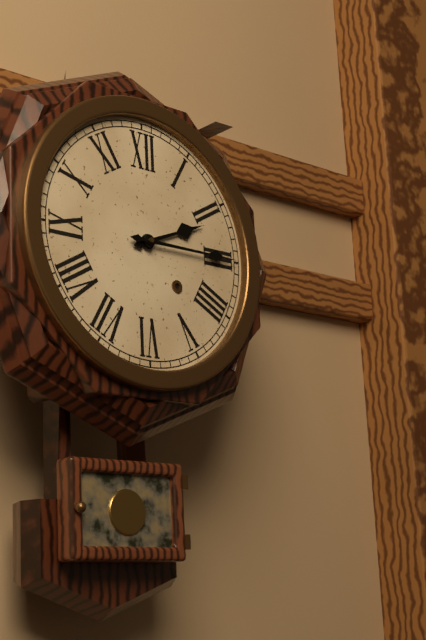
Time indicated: 2,15
